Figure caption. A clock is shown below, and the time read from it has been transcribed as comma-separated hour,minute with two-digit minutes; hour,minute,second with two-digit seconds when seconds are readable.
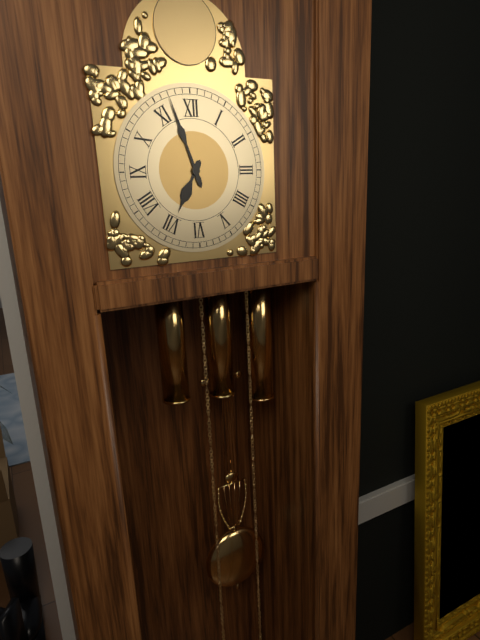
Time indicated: 6,57
